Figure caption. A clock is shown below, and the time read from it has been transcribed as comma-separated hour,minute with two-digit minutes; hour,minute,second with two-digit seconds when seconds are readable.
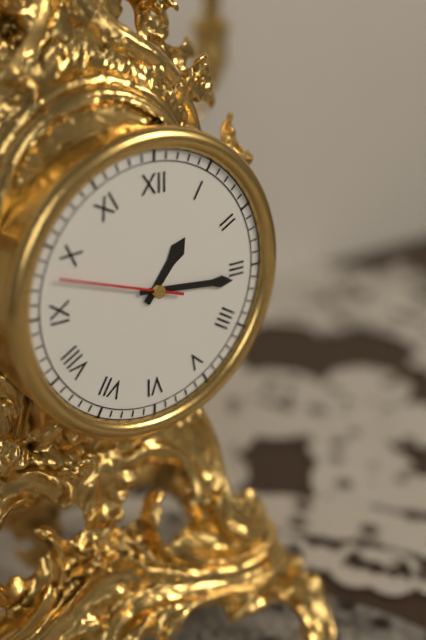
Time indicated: 1,16,48
